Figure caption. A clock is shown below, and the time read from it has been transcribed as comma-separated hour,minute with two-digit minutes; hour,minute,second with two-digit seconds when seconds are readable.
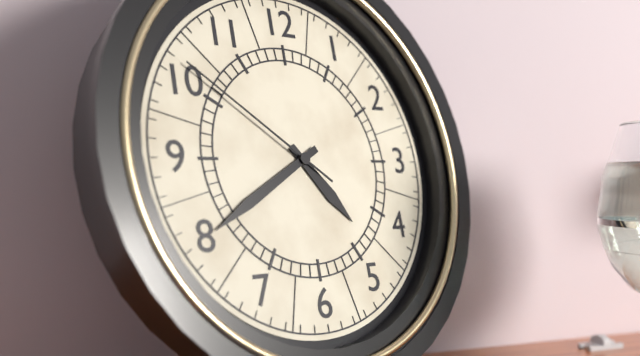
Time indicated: 4,40,51
